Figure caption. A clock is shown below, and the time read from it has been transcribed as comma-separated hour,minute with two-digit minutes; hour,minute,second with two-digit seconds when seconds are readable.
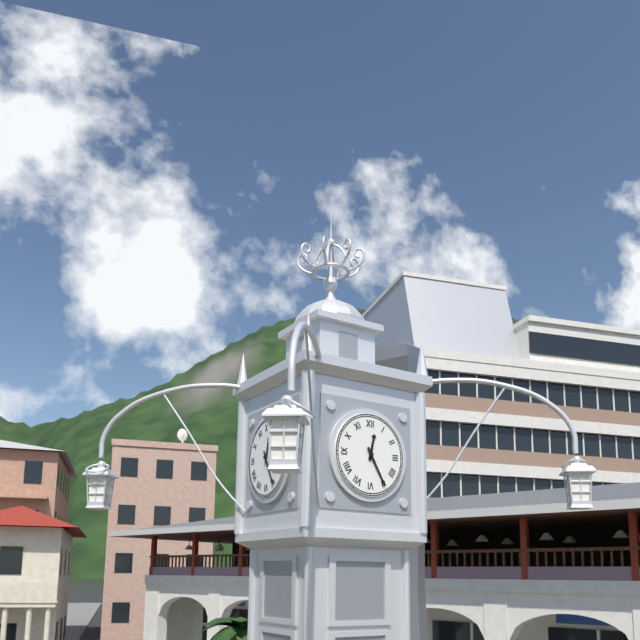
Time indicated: 12,25
